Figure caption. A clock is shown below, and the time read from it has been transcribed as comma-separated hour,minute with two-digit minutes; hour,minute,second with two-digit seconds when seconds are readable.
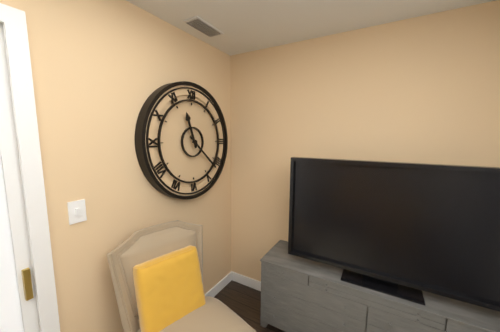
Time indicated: 11,22
